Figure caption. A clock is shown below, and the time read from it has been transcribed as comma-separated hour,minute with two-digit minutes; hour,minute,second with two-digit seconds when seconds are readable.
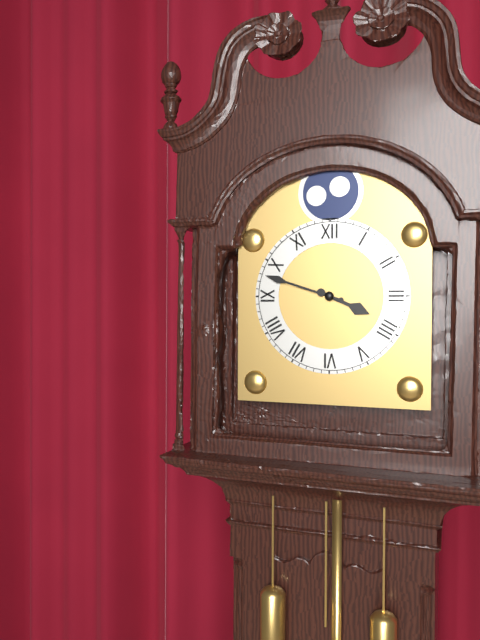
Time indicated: 3,48
